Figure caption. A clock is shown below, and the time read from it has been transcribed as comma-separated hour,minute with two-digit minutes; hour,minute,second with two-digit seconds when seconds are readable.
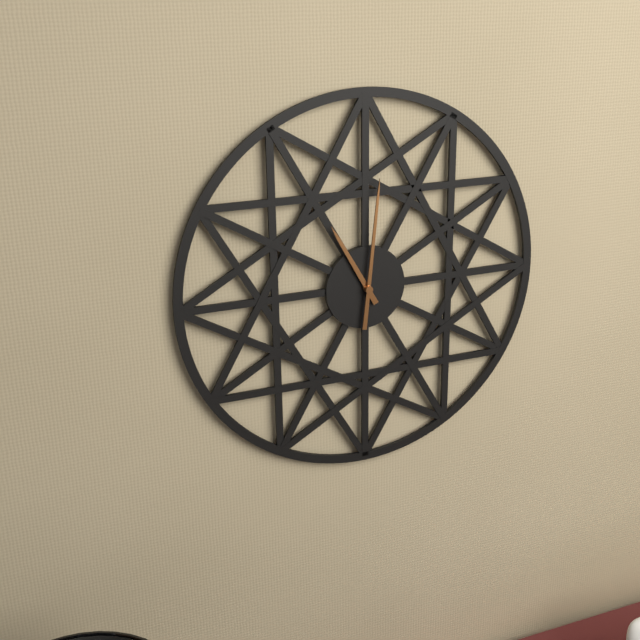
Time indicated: 11,01
